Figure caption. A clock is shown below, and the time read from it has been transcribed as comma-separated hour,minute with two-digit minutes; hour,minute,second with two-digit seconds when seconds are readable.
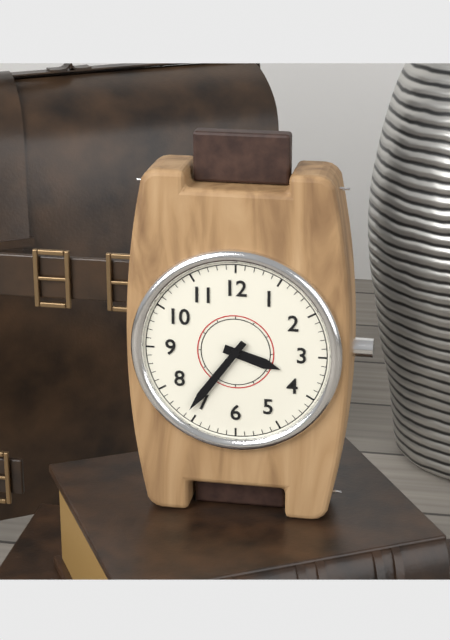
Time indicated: 3,36
